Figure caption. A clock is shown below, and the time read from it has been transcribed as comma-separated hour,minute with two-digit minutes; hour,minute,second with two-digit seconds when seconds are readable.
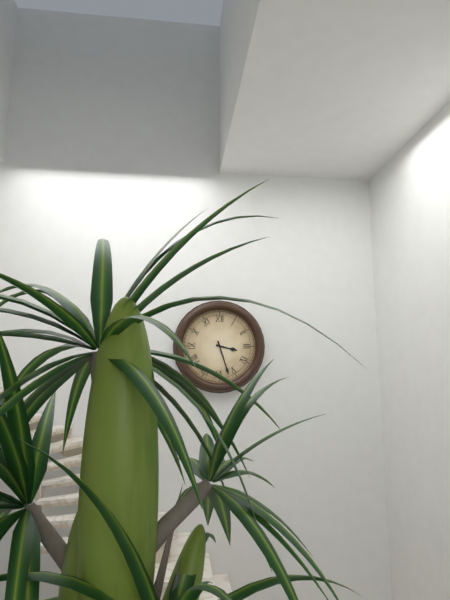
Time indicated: 3,27
